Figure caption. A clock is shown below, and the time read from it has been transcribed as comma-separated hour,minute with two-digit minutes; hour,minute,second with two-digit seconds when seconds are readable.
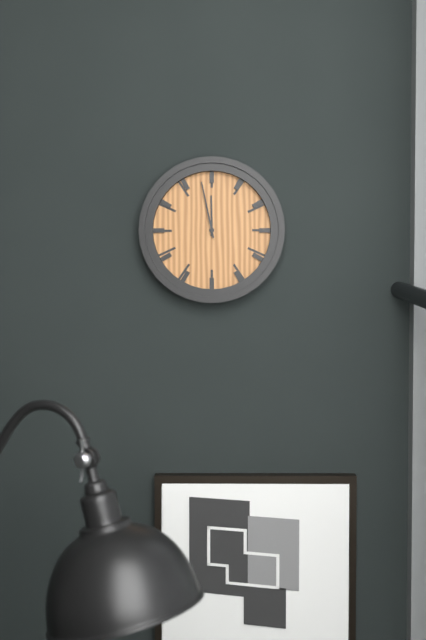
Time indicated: 11,58
